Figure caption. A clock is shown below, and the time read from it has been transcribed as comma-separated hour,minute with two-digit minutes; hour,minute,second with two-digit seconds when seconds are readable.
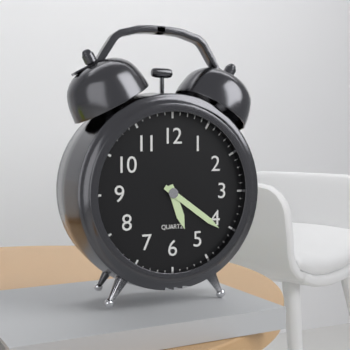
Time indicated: 5,21
